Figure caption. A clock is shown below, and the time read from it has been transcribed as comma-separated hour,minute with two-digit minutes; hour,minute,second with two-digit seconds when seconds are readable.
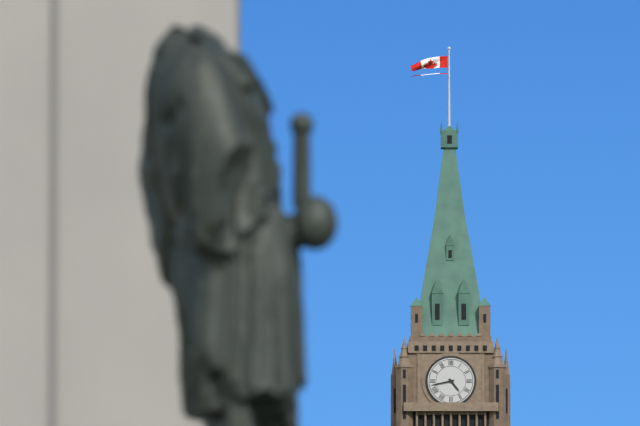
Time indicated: 4,43
